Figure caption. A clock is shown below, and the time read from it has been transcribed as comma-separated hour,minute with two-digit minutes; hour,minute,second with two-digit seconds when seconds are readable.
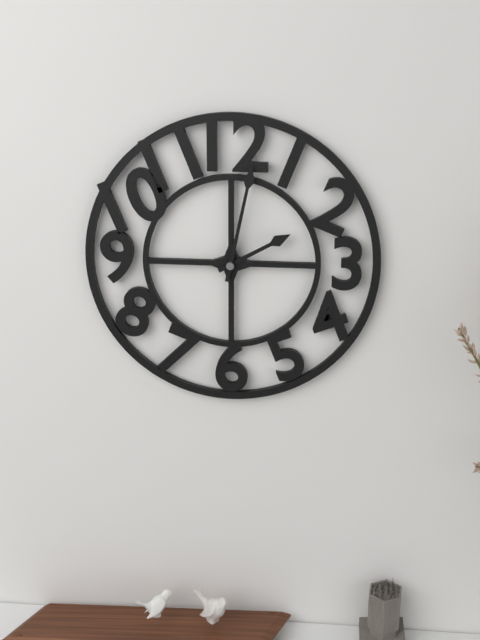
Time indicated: 2,02
